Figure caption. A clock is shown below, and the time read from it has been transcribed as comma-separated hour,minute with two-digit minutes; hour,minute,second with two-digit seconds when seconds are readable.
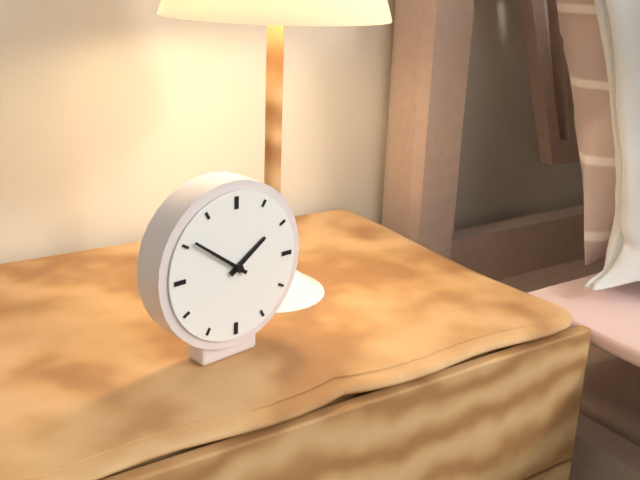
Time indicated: 1,51
